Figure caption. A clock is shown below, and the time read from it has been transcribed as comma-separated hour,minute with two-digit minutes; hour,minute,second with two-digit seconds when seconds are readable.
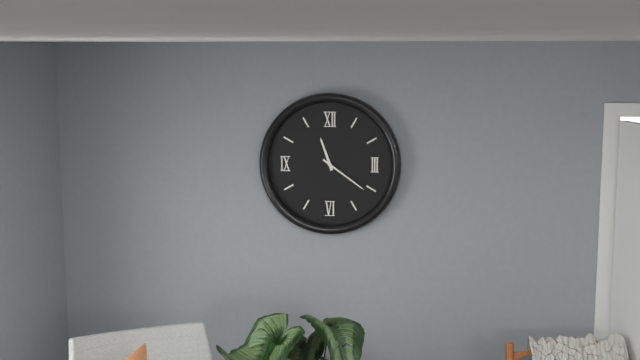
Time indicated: 11,21
